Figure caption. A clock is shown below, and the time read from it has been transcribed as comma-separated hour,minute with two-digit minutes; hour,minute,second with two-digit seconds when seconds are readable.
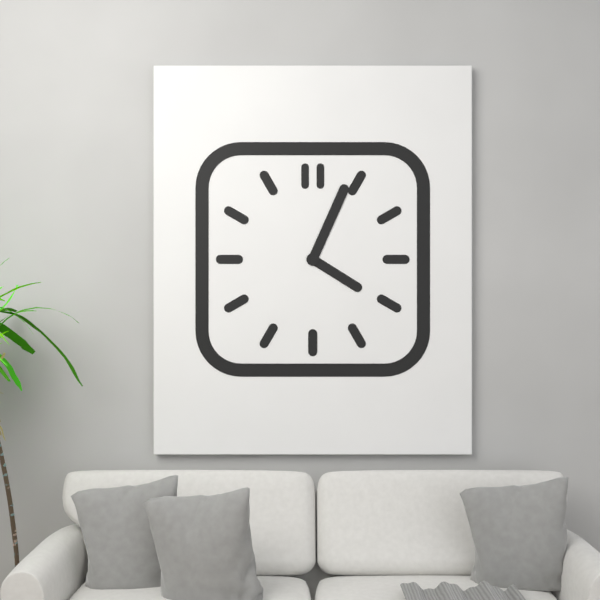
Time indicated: 4,04
